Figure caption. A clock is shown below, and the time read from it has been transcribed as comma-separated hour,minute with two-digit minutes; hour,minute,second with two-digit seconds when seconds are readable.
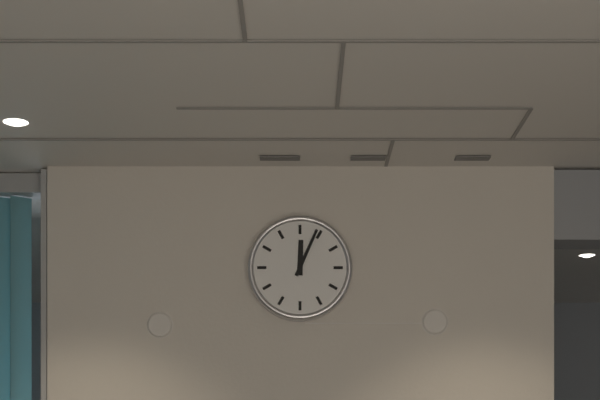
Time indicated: 12,04
